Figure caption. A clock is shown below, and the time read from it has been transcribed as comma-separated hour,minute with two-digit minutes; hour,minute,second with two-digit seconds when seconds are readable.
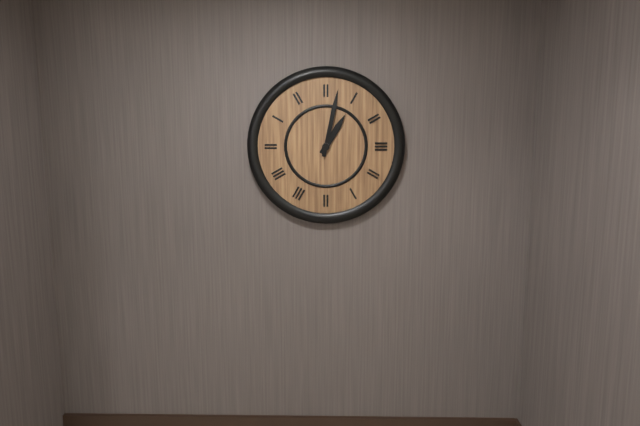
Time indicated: 1,02
